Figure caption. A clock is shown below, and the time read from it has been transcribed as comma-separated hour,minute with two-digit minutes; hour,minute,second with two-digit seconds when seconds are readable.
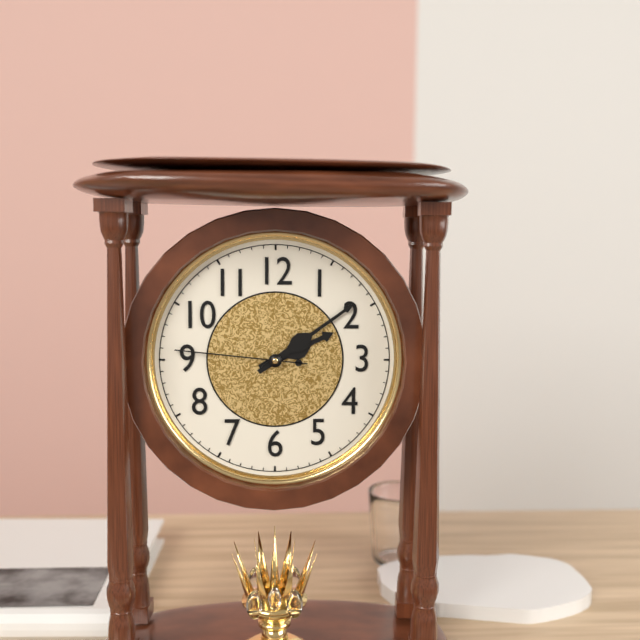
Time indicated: 2,09,46
